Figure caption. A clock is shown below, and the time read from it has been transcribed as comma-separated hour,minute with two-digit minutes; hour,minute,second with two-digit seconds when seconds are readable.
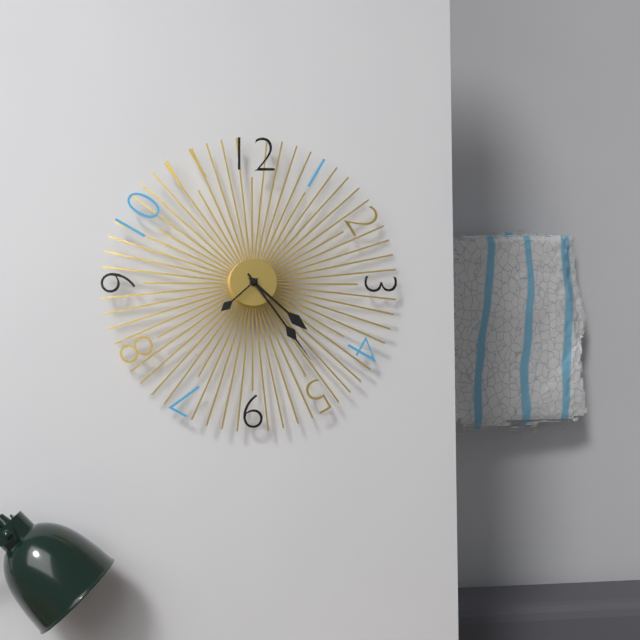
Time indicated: 4,24,38
